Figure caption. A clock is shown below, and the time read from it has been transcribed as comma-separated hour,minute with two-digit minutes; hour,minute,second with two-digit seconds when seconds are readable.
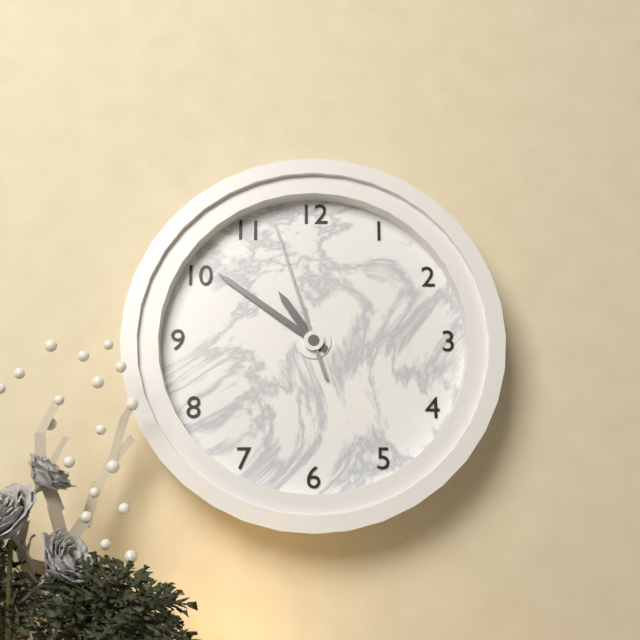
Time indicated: 10,51,57
